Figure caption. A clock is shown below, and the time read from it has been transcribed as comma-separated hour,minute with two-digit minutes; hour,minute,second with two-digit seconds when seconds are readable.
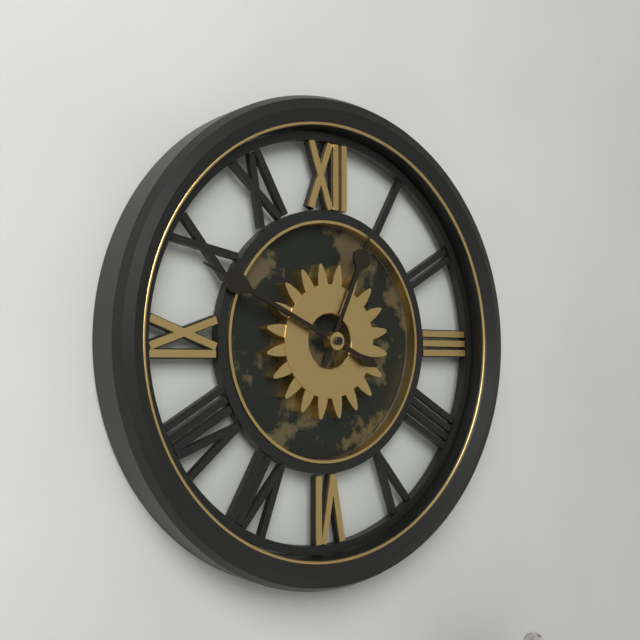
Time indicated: 12,49
